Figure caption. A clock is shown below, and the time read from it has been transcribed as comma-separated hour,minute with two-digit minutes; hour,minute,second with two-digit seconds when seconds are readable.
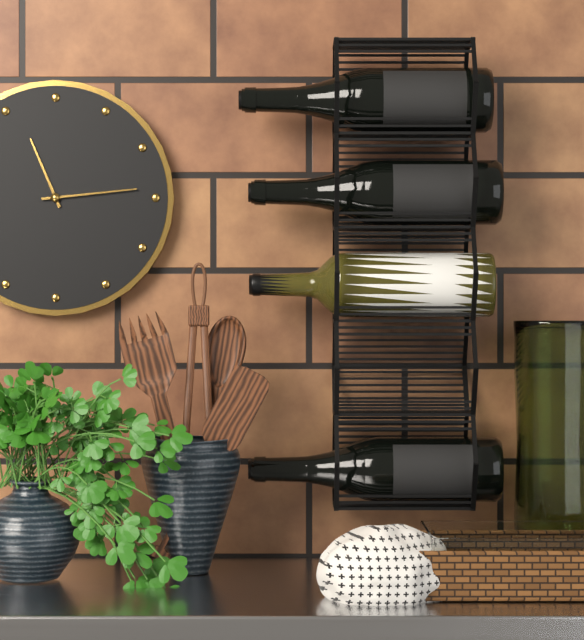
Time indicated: 11,14
